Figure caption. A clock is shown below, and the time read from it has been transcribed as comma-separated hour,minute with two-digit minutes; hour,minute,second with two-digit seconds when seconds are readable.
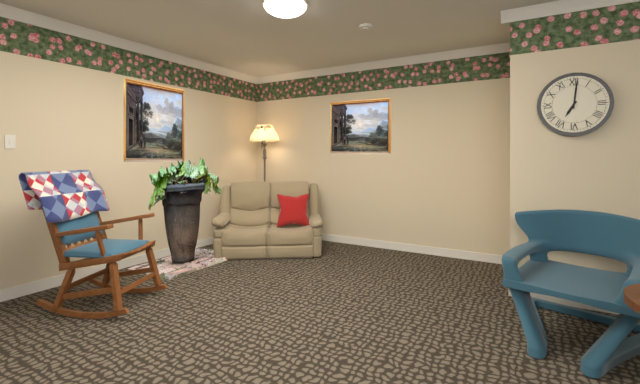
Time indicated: 7,01
